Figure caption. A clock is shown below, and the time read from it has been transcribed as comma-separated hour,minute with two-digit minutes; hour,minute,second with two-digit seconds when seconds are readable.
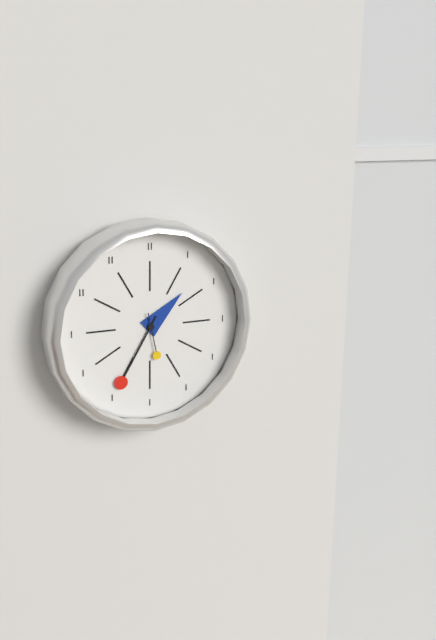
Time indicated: 1,35
